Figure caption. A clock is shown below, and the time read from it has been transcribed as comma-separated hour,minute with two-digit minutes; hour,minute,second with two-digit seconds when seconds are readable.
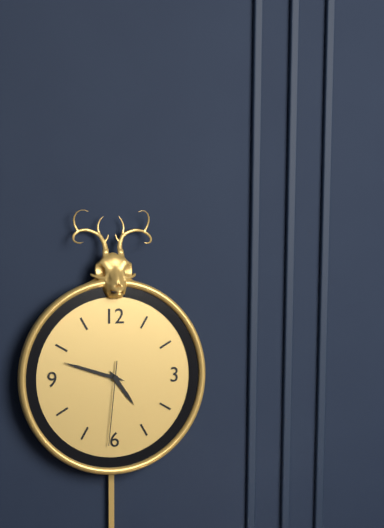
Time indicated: 4,48,31
